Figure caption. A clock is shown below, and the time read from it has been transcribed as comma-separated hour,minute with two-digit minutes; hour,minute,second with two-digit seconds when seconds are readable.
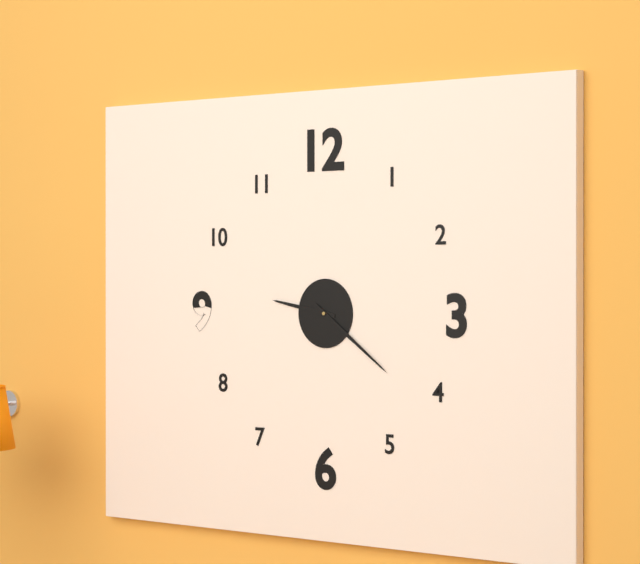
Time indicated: 9,21
